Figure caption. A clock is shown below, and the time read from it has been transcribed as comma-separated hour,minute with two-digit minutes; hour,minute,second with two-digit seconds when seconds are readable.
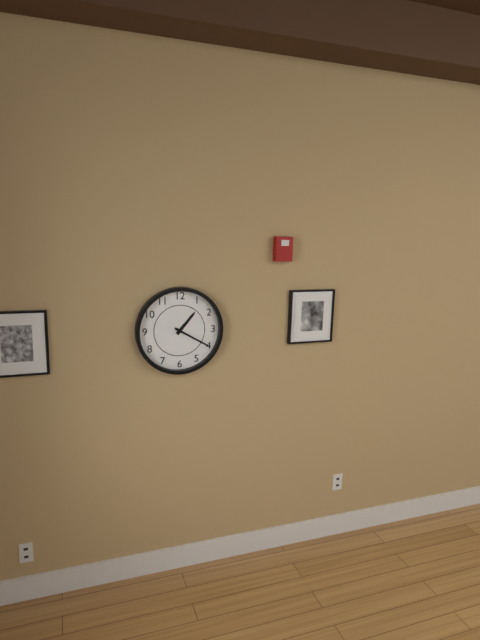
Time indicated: 1,20
